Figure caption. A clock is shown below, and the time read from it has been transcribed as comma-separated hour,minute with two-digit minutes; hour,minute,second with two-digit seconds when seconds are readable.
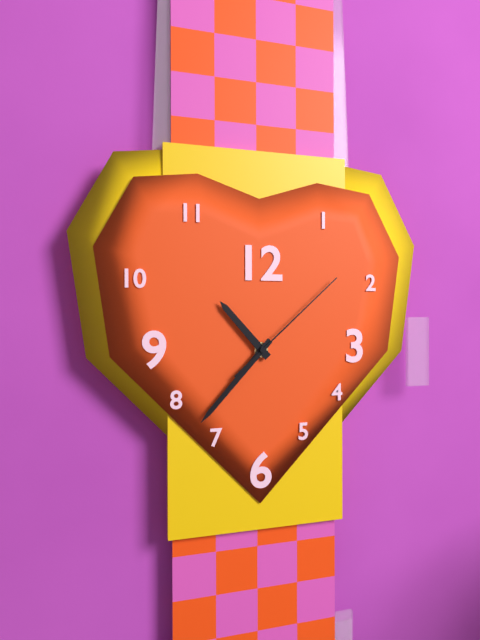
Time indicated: 10,37,08
